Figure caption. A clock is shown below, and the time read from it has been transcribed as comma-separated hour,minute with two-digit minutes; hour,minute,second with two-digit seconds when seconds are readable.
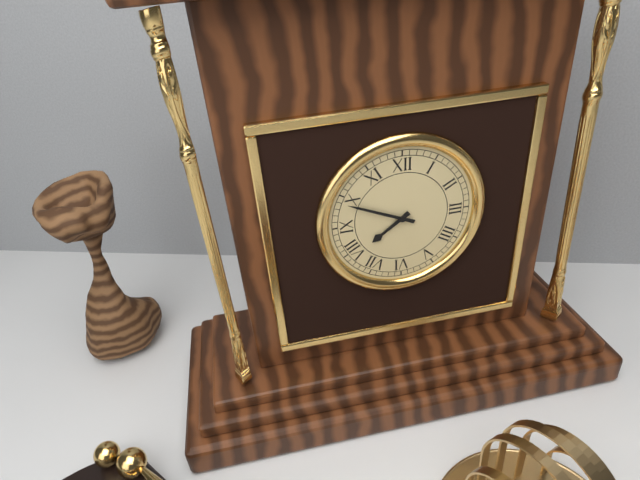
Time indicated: 7,49
